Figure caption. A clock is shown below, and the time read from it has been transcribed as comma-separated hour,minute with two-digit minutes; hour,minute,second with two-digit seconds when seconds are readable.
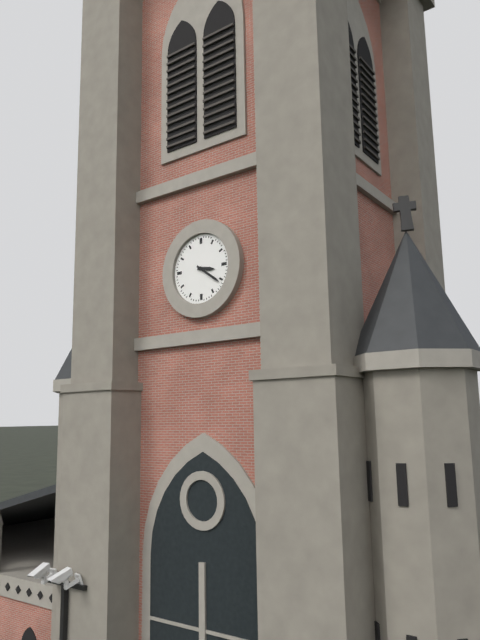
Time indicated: 3,21
